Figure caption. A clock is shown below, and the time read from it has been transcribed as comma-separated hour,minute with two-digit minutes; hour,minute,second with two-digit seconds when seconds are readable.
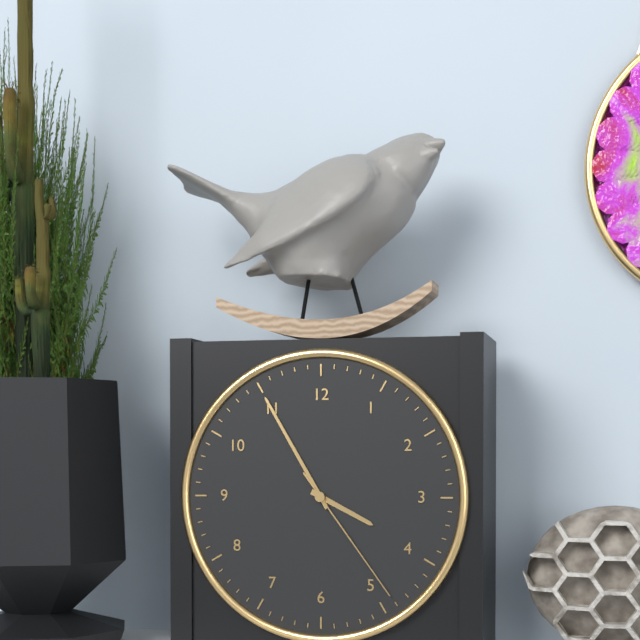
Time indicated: 3,55,24
